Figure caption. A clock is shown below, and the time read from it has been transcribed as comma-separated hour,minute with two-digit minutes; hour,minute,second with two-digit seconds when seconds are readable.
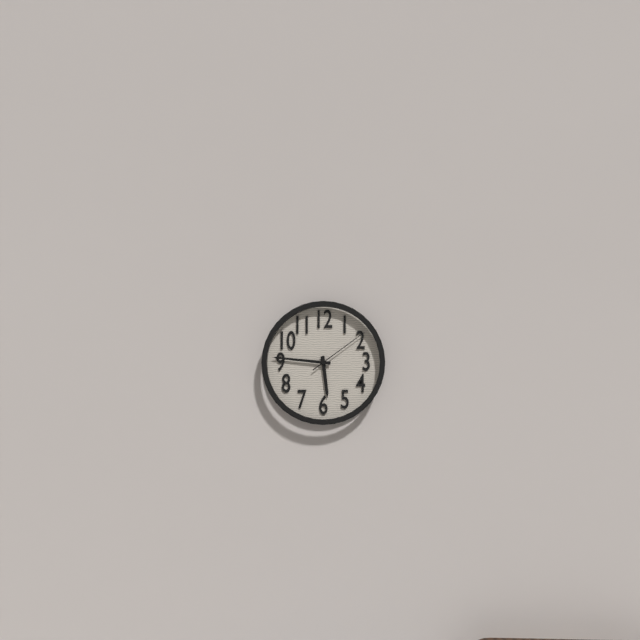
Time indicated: 5,46,09
